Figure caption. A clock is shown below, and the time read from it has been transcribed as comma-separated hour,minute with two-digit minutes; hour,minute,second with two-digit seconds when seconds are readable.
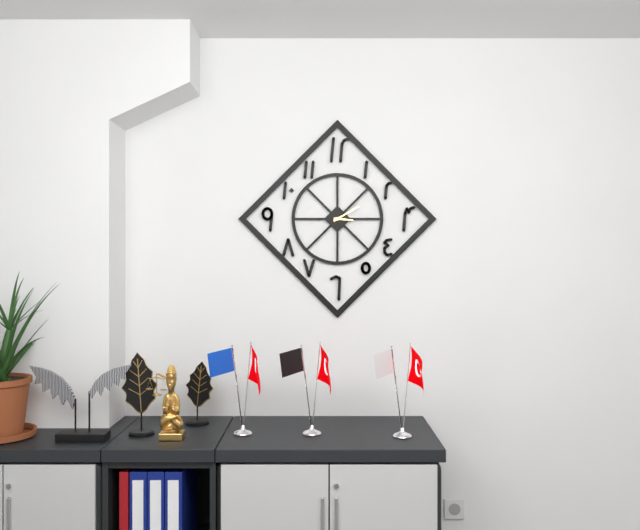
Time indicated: 3,10
